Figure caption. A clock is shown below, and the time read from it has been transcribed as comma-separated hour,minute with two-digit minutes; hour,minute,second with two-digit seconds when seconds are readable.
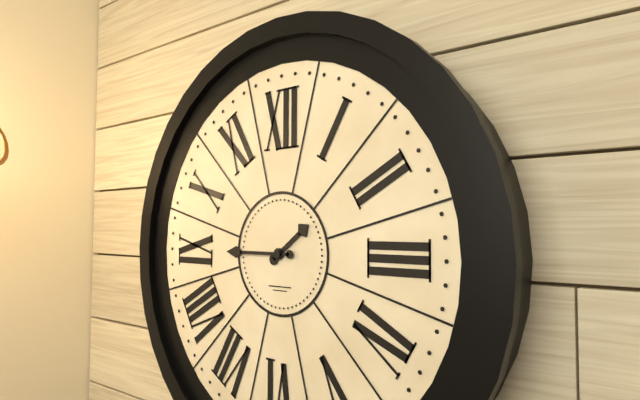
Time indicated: 1,45
